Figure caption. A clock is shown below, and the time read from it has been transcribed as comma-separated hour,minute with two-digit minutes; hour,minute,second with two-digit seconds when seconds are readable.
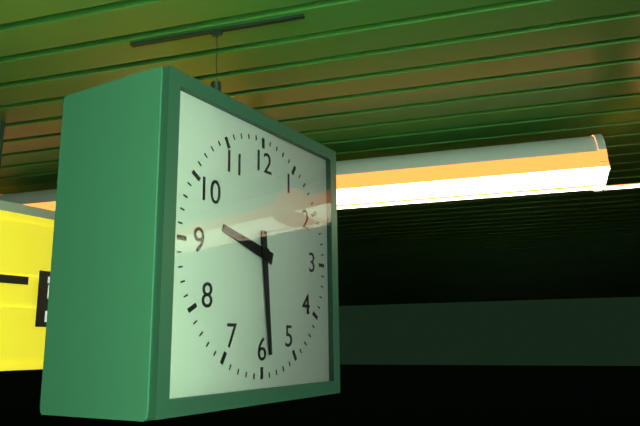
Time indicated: 9,29
